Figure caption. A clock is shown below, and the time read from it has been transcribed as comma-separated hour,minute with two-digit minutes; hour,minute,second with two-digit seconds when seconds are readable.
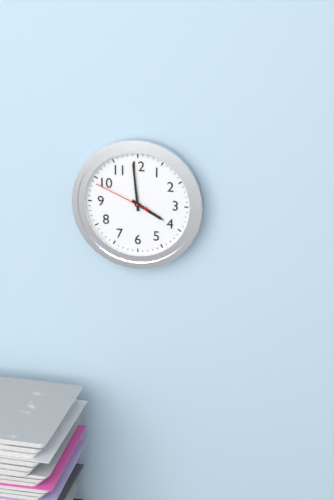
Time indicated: 3,59,49
